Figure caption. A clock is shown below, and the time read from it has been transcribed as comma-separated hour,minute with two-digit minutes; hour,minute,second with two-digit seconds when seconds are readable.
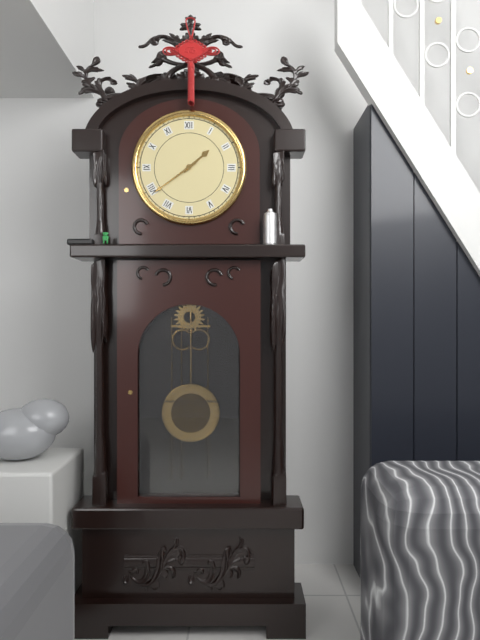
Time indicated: 1,39
